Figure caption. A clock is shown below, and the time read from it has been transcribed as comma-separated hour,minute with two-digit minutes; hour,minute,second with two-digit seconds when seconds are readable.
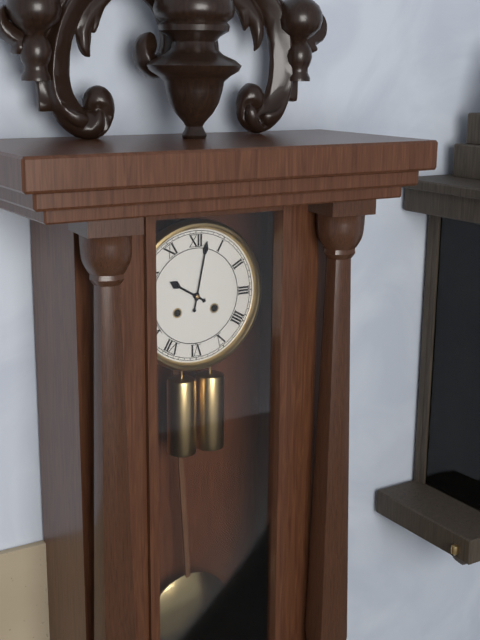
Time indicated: 10,02
